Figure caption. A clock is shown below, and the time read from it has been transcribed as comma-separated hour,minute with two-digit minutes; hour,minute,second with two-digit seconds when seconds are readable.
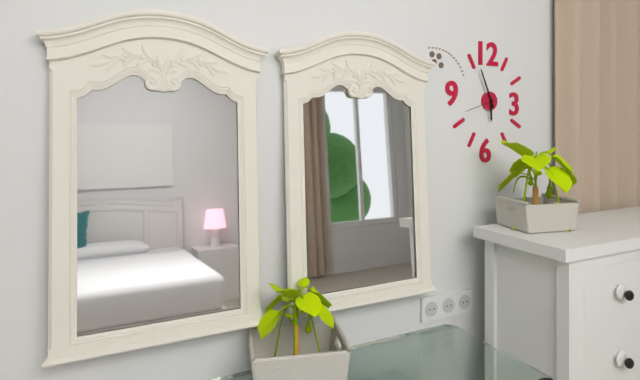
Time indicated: 5,56
